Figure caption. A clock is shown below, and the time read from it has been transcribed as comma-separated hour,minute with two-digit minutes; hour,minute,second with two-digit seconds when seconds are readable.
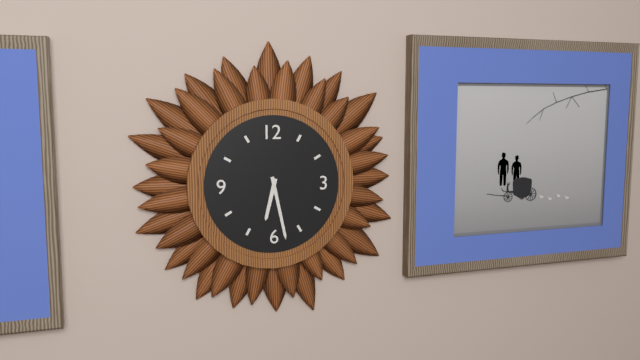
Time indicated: 6,28
